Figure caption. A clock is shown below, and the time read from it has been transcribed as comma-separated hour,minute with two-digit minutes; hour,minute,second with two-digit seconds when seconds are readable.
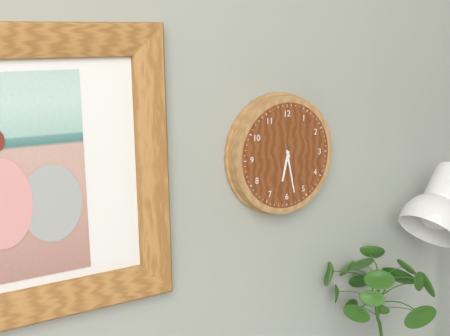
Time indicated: 6,28
